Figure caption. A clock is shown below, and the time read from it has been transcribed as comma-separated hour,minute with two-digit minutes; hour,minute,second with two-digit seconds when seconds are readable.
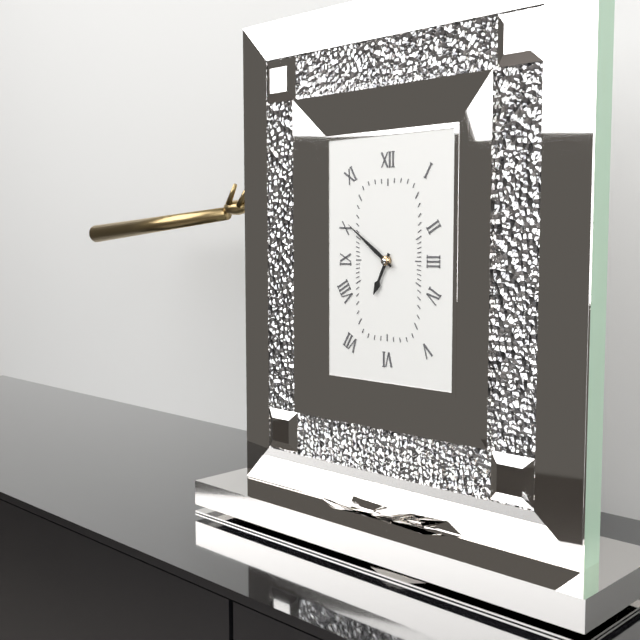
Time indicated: 6,51
